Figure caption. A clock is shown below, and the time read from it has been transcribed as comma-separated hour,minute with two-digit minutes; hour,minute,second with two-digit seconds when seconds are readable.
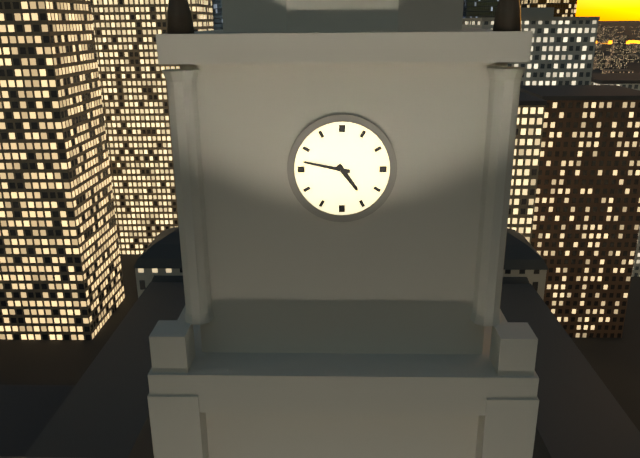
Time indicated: 4,47
